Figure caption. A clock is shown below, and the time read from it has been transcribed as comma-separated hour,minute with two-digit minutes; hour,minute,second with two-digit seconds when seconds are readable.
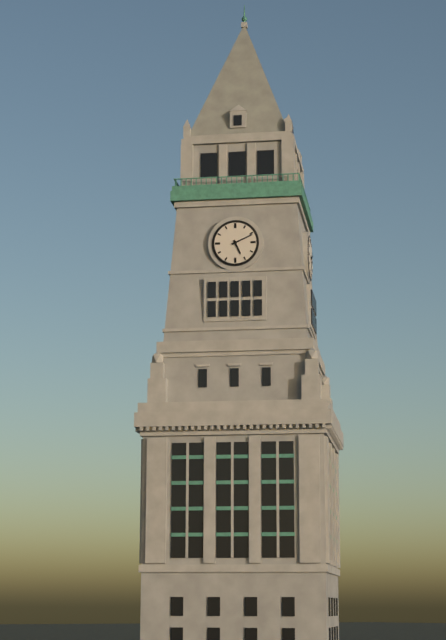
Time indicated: 5,11
